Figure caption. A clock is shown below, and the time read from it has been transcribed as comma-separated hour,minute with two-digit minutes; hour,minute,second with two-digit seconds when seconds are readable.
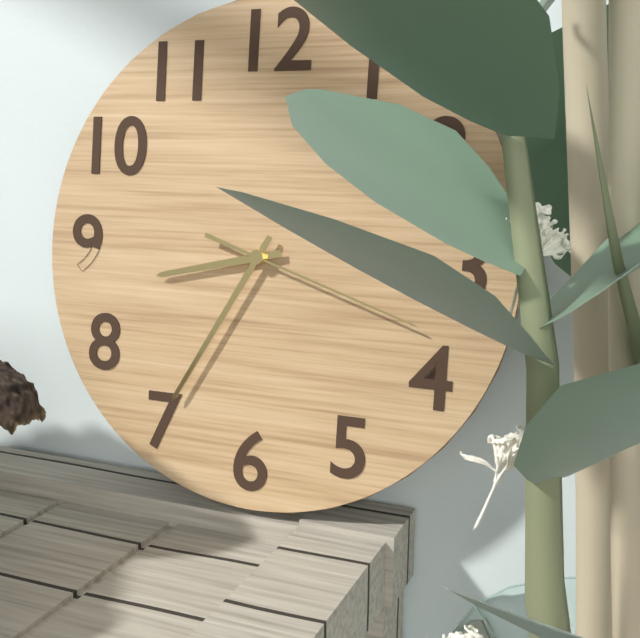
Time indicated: 8,35,18
